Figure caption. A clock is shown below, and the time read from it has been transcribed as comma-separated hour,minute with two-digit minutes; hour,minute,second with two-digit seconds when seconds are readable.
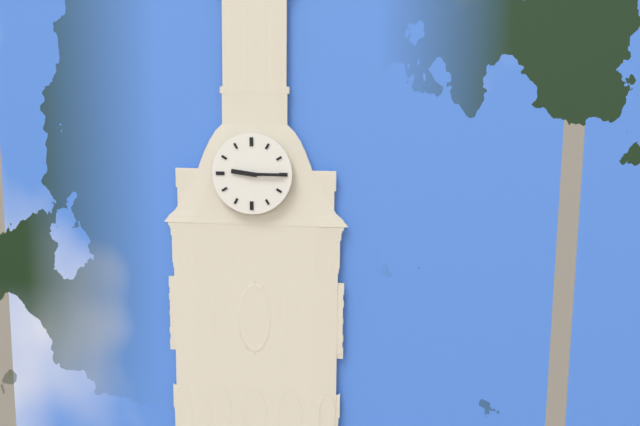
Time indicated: 9,15
